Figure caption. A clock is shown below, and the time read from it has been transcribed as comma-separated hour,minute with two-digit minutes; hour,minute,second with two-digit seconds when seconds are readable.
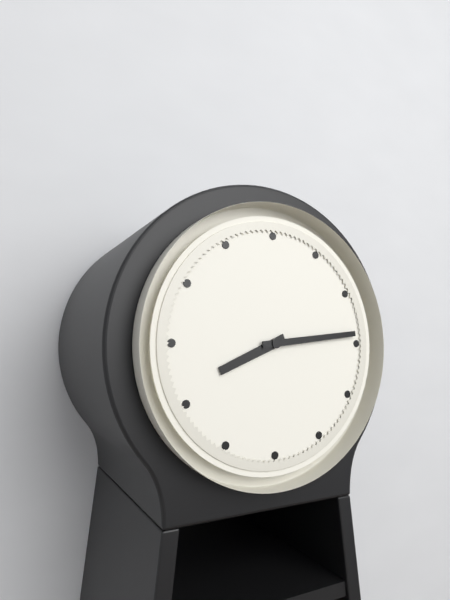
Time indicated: 8,14
